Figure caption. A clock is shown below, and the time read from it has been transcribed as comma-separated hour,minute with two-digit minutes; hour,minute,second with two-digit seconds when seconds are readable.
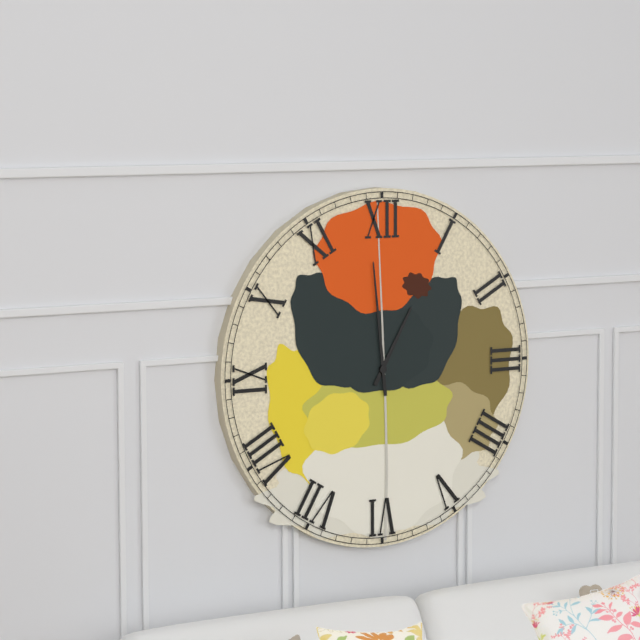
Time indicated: 12,59
